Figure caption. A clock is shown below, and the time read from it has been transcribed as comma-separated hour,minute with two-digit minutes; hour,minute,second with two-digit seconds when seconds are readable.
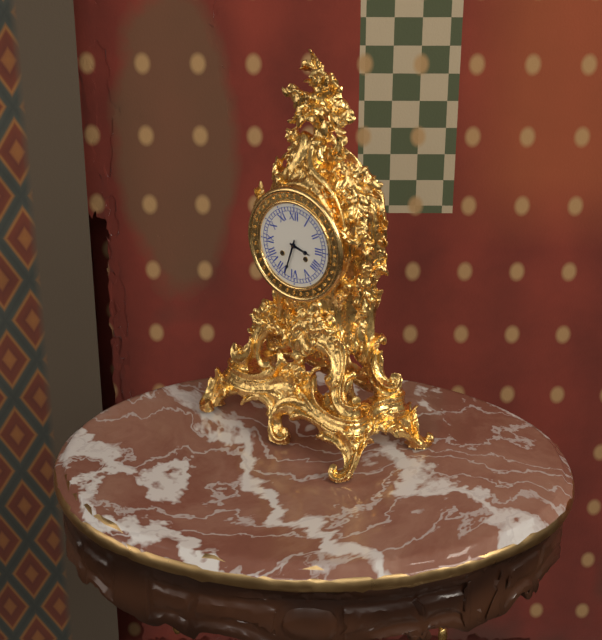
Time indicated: 3,33
